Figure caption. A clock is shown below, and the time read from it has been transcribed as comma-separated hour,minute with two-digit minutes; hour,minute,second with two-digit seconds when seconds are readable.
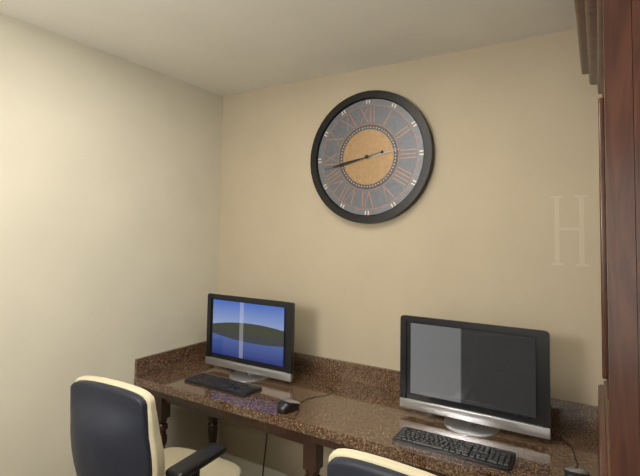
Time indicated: 2,43
